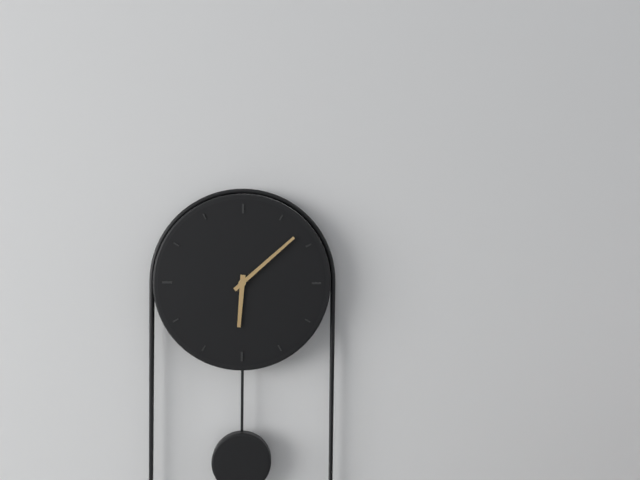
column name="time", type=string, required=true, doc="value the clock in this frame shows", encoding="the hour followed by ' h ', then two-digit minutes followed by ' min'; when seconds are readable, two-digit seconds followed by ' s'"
6 h 08 min
